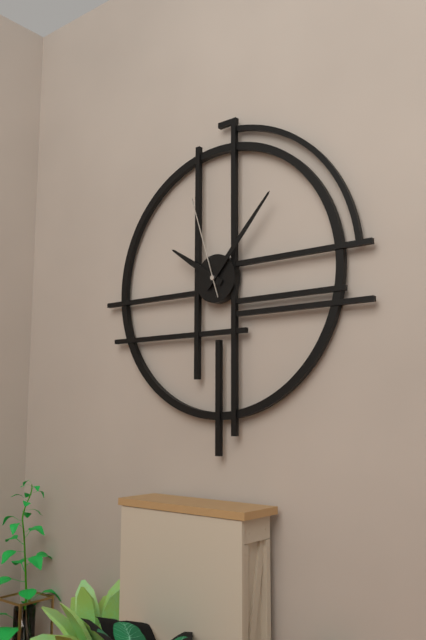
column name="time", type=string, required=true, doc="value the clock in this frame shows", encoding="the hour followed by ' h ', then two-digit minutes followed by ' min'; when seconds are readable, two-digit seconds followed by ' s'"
10 h 07 min 57 s
